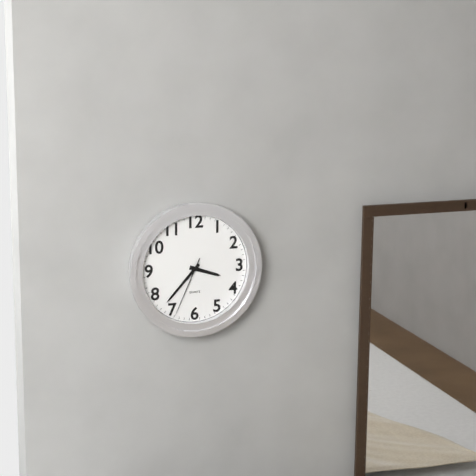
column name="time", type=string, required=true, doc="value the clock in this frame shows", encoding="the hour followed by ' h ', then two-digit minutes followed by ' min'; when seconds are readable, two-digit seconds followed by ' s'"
3 h 37 min 34 s
